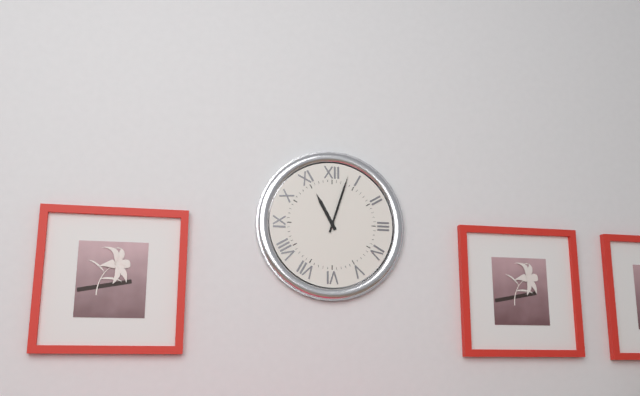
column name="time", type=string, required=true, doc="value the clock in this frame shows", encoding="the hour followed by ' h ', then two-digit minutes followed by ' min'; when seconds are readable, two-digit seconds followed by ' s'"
11 h 03 min
